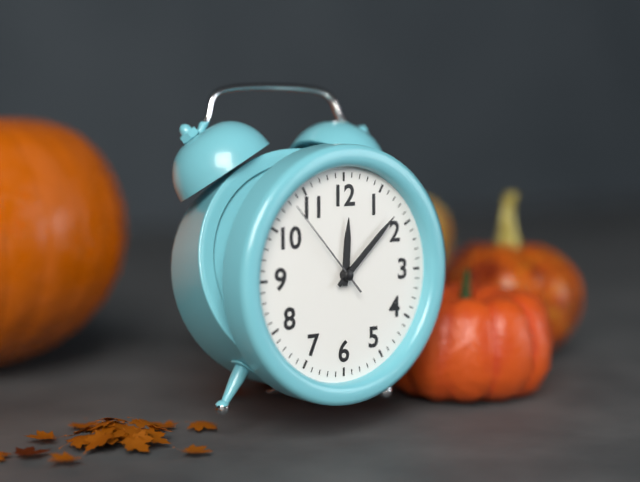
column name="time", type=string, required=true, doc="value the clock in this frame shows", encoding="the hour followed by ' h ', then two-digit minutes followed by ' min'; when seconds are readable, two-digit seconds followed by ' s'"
12 h 08 min 53 s
